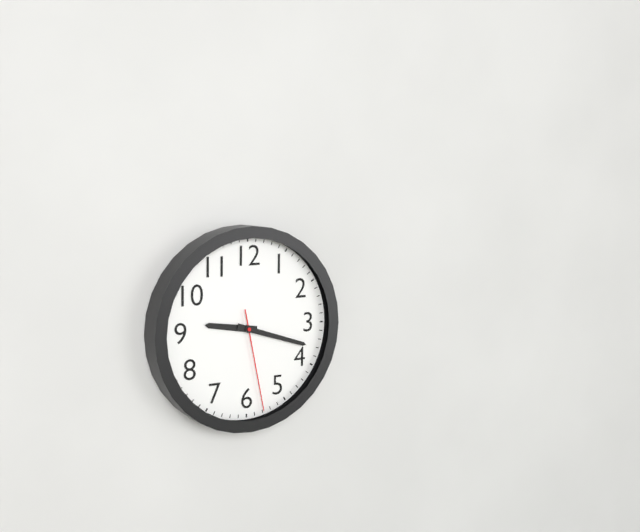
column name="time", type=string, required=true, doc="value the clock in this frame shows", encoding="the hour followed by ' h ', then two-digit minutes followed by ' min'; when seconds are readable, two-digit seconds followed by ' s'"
9 h 18 min 28 s
